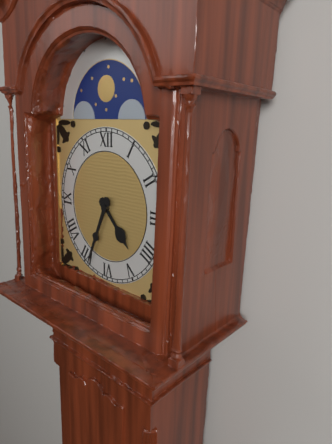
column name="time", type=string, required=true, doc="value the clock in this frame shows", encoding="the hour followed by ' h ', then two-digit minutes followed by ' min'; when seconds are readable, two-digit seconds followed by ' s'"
4 h 34 min
